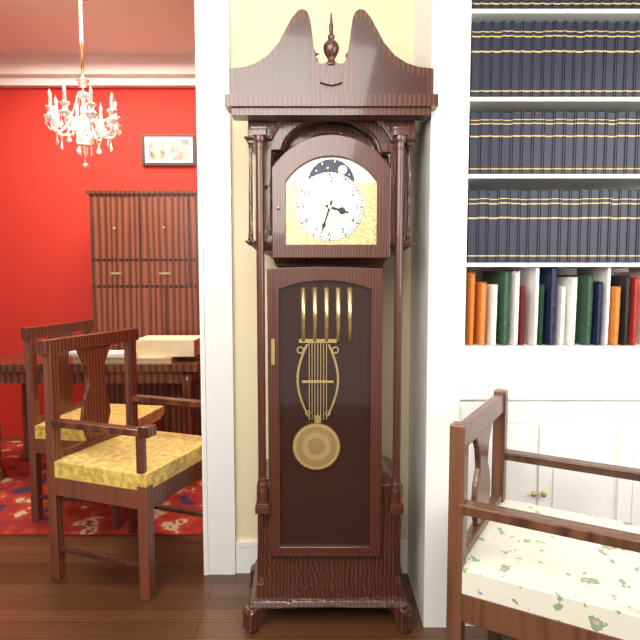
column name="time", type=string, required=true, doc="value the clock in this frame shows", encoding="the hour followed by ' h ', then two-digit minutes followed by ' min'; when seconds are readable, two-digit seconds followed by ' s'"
3 h 33 min
